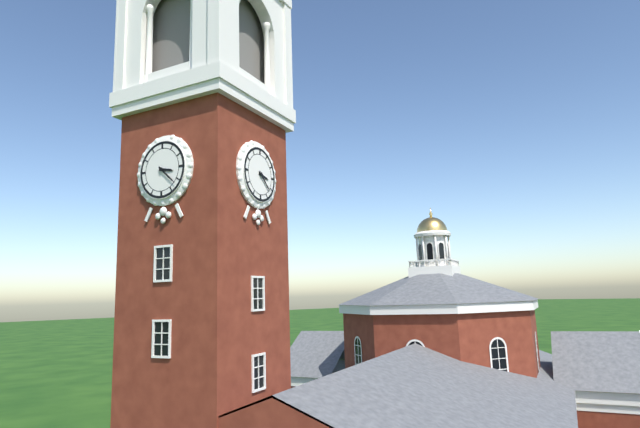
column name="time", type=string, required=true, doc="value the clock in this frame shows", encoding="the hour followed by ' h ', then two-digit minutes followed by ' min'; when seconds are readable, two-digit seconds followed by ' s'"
3 h 22 min
